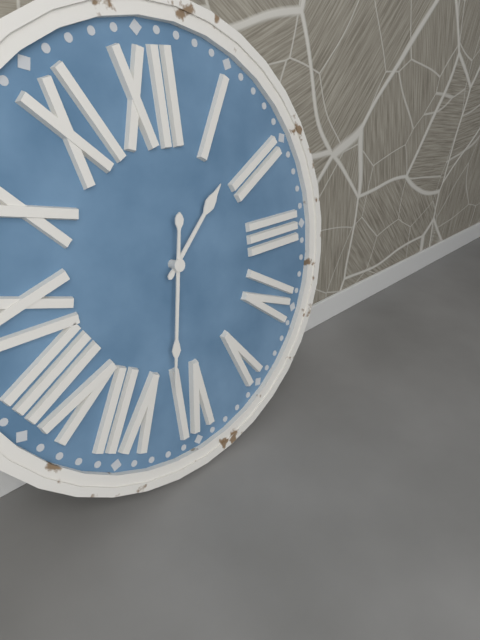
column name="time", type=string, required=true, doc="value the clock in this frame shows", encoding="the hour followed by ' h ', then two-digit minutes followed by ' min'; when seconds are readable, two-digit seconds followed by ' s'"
1 h 32 min
